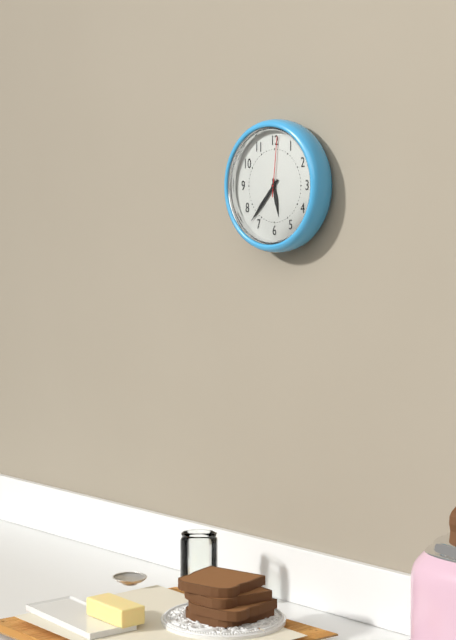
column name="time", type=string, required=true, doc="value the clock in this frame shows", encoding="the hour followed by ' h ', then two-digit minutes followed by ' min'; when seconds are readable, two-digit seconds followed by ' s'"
5 h 37 min 01 s
